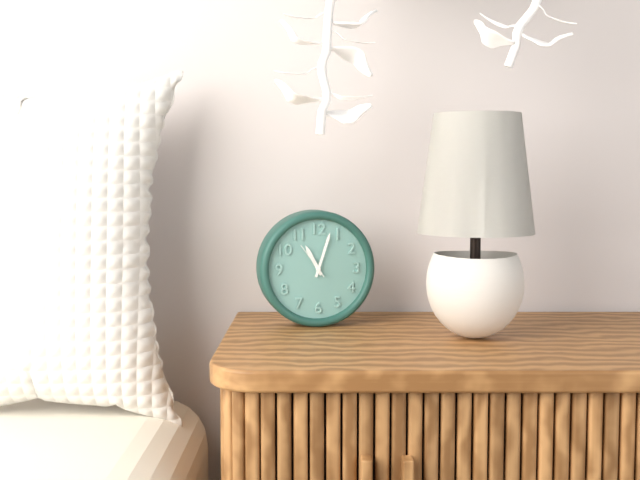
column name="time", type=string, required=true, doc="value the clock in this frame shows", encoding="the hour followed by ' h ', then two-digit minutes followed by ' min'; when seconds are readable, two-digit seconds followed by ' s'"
11 h 03 min
